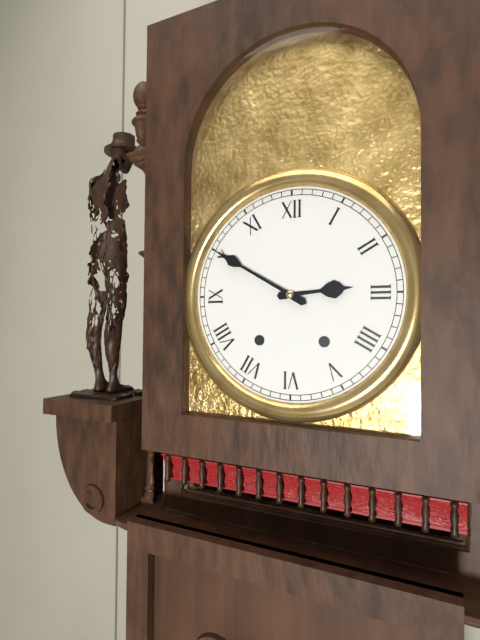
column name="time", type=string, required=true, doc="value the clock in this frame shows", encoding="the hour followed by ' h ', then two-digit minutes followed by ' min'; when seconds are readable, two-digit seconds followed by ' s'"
2 h 50 min
